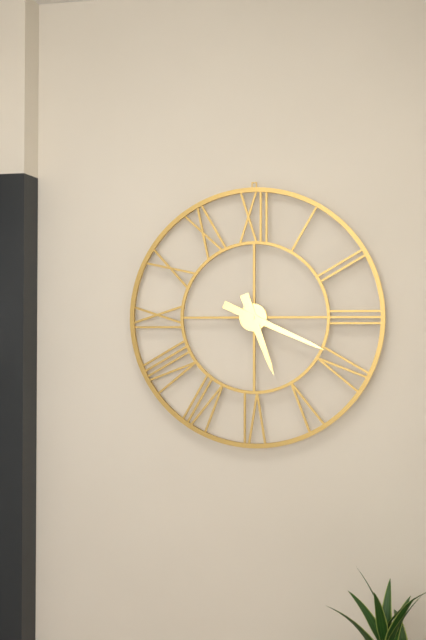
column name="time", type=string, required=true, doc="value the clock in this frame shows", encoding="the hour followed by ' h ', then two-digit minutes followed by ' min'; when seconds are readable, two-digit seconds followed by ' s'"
5 h 19 min
